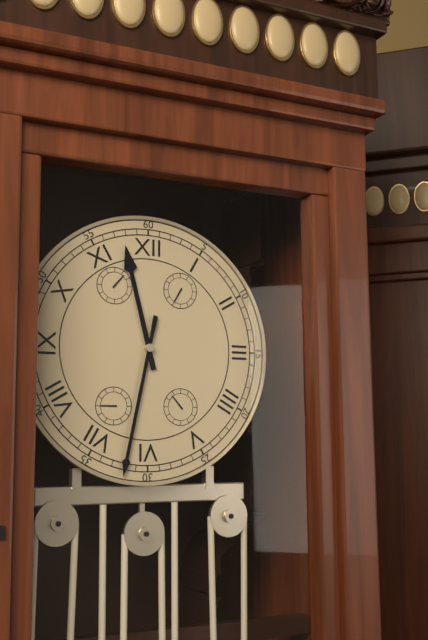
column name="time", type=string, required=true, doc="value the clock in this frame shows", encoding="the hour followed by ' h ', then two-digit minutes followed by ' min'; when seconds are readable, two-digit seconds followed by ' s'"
11 h 32 min
